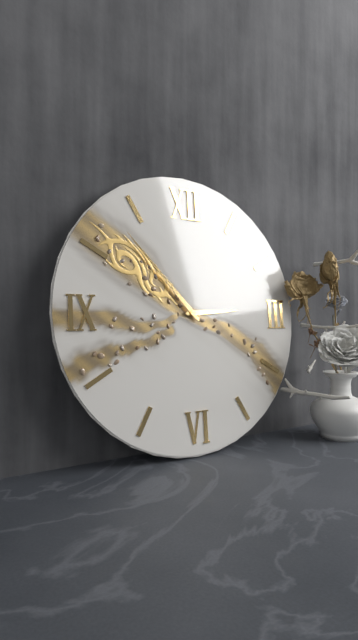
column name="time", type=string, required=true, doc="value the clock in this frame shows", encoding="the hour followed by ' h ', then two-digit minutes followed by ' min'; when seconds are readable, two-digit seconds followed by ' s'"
2 h 53 min
